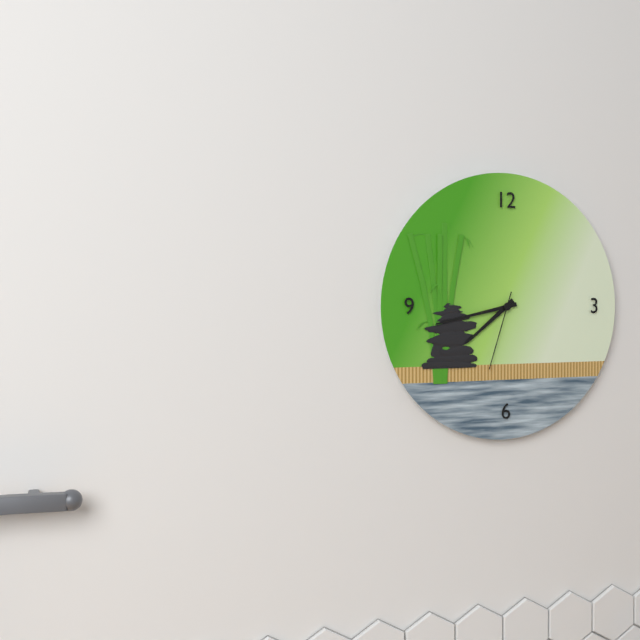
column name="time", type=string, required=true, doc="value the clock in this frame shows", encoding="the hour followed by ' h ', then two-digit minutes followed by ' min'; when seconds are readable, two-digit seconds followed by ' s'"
7 h 43 min 33 s
